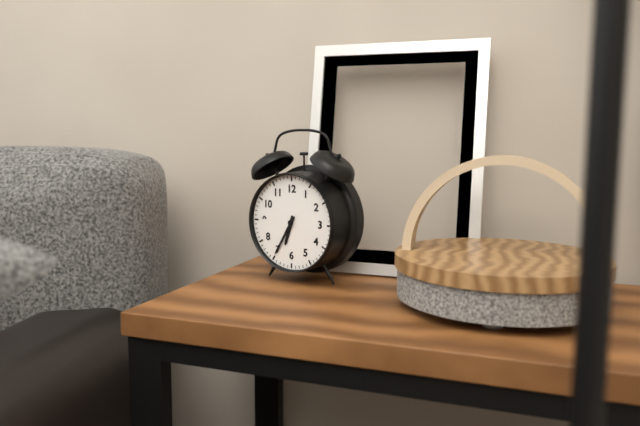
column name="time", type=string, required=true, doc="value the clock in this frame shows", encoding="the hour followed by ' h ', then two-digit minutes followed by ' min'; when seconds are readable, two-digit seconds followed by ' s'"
6 h 35 min
